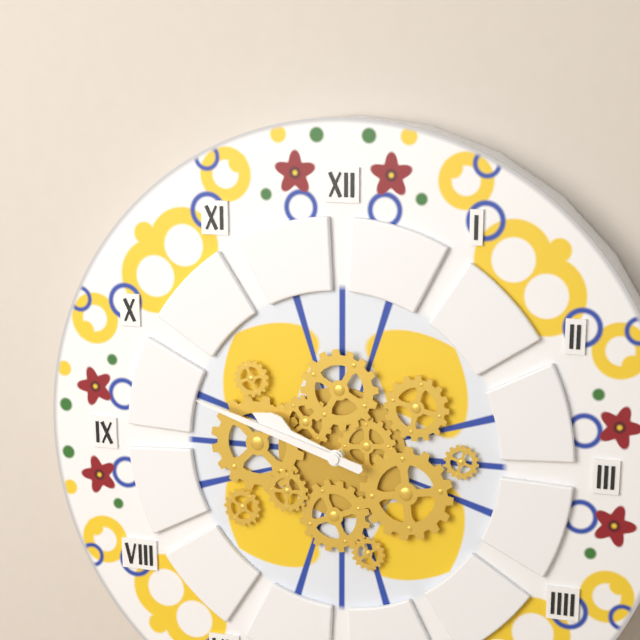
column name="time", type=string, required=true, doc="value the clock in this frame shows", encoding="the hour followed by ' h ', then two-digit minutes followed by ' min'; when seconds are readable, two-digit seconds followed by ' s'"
9 h 48 min
